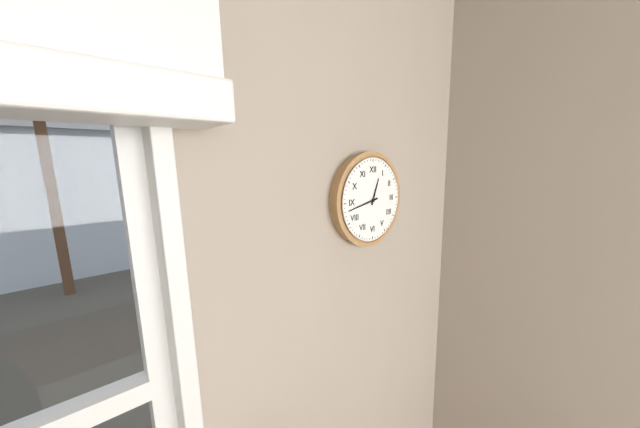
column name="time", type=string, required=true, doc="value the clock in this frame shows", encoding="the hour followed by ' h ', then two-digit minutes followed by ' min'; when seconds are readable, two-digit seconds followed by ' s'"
12 h 43 min
